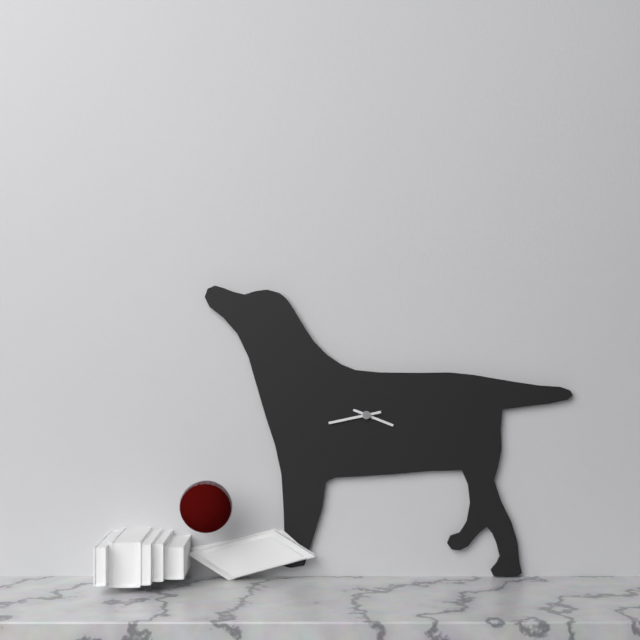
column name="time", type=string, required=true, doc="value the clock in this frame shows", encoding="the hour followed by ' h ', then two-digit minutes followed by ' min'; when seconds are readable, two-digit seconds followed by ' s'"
3 h 43 min
